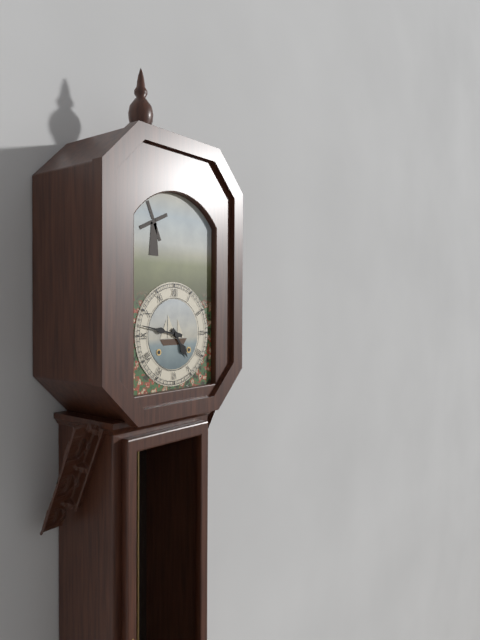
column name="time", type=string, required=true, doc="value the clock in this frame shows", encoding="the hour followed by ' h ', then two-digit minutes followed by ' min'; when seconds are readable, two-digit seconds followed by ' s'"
4 h 47 min
